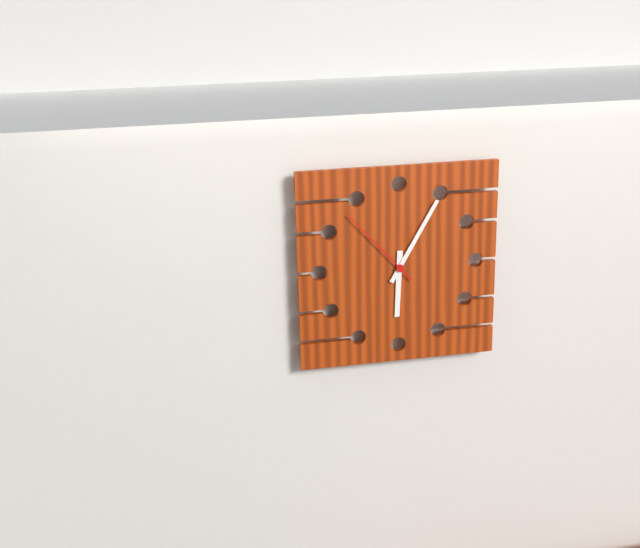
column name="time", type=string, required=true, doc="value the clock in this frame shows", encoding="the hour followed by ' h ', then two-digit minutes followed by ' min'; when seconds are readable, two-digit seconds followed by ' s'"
6 h 05 min 53 s
